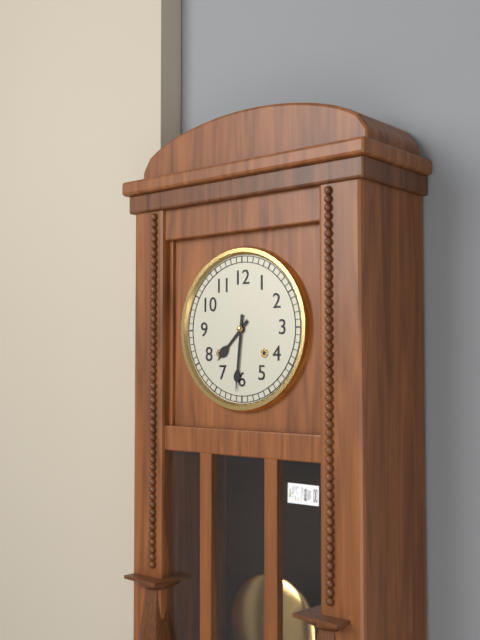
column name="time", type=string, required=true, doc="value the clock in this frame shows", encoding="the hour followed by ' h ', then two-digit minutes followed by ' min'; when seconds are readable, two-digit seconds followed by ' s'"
7 h 31 min
